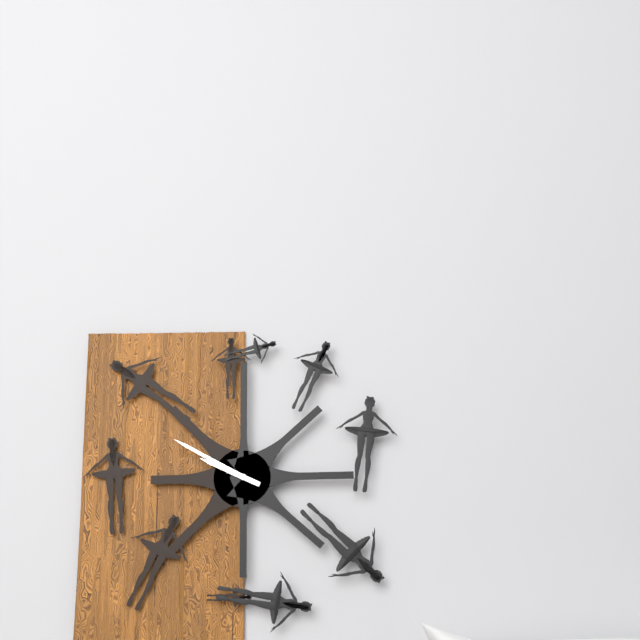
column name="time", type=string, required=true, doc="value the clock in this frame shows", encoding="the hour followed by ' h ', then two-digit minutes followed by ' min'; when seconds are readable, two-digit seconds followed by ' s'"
9 h 50 min
